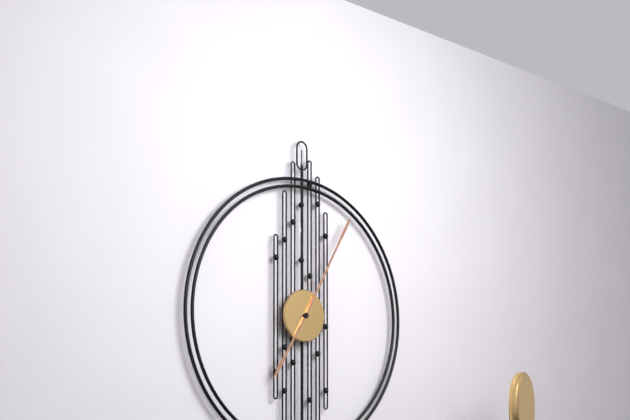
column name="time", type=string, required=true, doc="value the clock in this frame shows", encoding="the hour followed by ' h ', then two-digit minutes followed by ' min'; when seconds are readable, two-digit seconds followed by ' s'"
7 h 05 min
